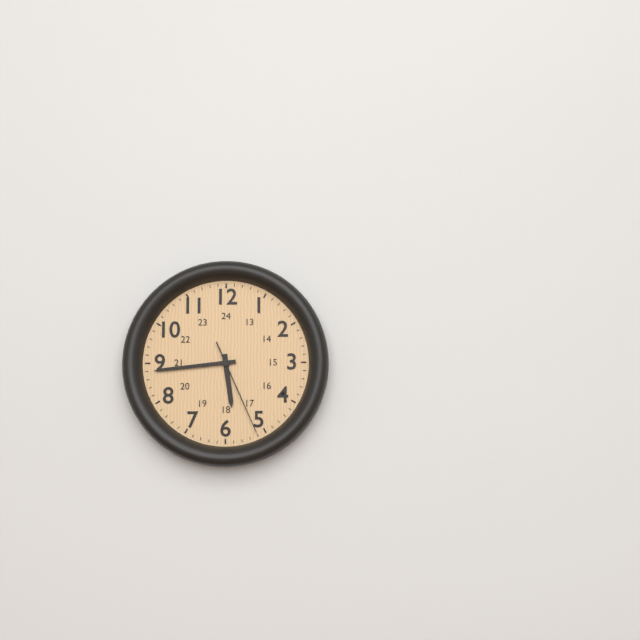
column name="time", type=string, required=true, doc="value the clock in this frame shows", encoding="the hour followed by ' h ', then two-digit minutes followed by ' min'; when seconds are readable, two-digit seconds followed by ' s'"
5 h 44 min 26 s
